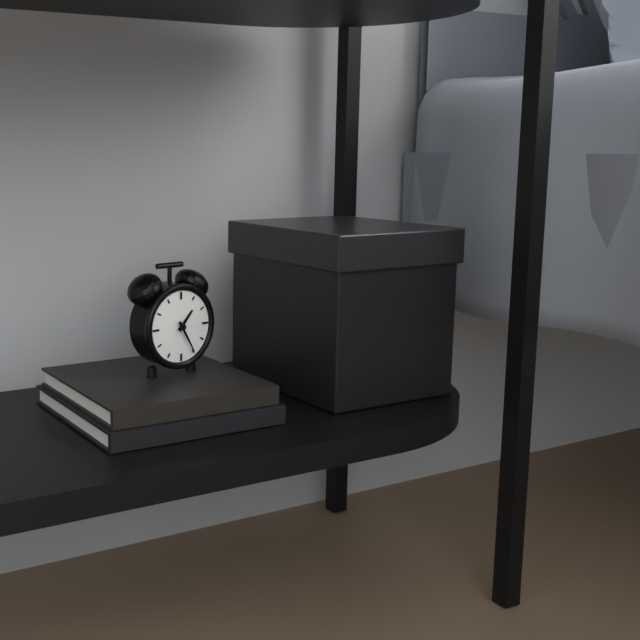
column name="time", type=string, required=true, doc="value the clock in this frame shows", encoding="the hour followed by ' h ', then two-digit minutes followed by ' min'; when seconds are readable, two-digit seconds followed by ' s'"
1 h 25 min
